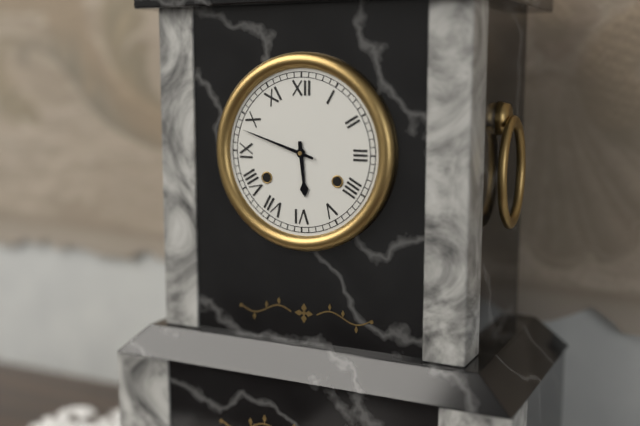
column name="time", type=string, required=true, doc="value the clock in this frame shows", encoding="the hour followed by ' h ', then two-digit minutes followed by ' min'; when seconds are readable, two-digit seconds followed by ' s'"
5 h 48 min
